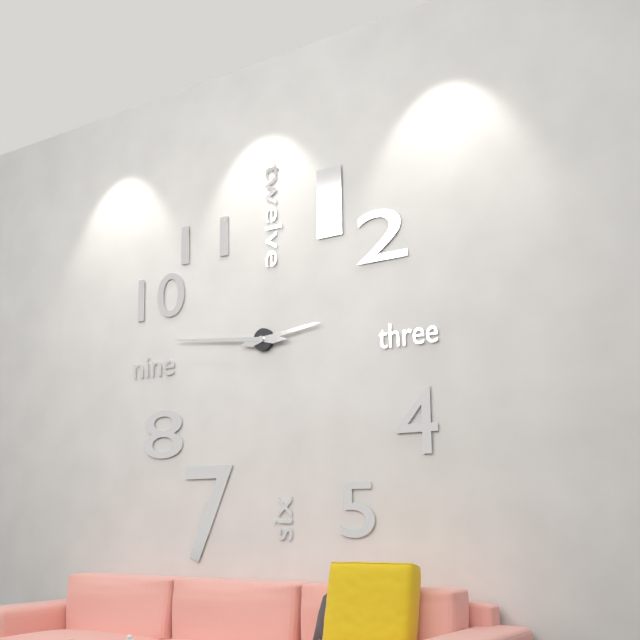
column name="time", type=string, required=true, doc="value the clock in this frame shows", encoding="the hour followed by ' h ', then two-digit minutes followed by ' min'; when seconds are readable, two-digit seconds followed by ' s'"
2 h 46 min
